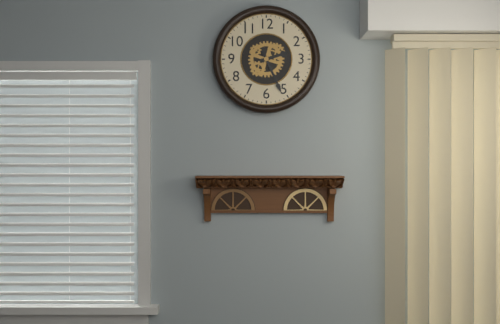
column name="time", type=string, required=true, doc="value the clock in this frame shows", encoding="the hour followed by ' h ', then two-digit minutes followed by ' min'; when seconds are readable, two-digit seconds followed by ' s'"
2 h 26 min
